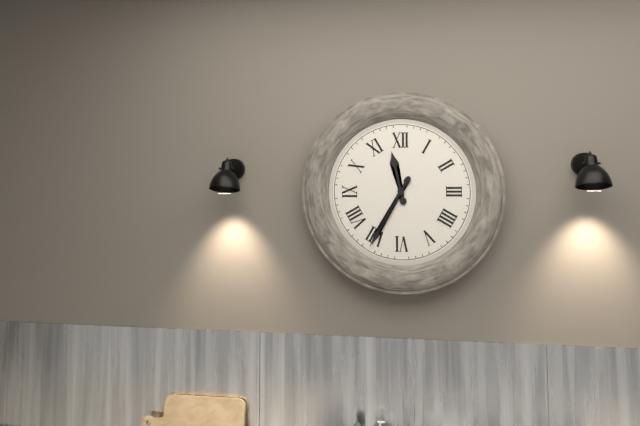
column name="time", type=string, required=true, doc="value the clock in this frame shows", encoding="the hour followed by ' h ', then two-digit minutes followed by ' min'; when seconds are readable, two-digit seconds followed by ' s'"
11 h 35 min
